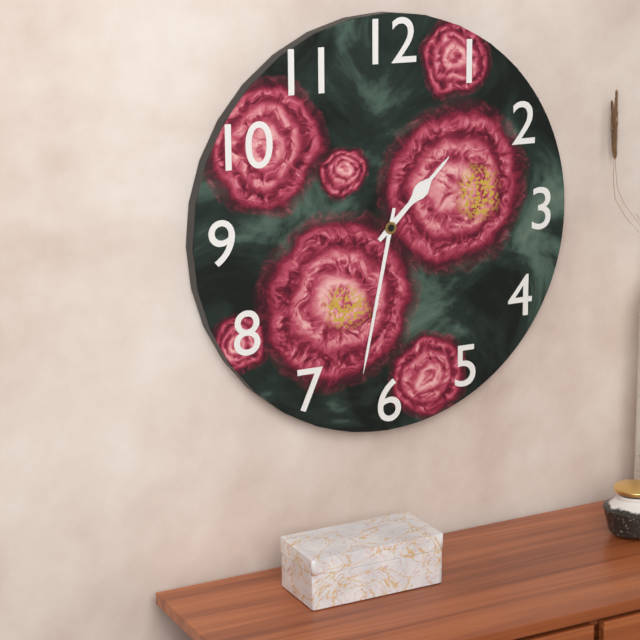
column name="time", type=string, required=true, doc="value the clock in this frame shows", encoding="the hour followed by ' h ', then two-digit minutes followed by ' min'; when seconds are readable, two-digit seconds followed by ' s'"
1 h 32 min
